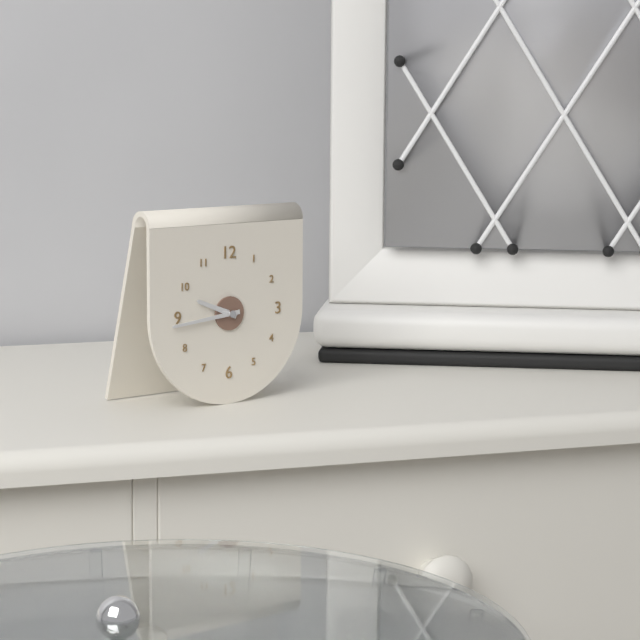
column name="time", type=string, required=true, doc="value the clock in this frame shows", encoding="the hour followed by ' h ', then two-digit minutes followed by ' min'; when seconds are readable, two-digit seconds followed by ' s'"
9 h 44 min
